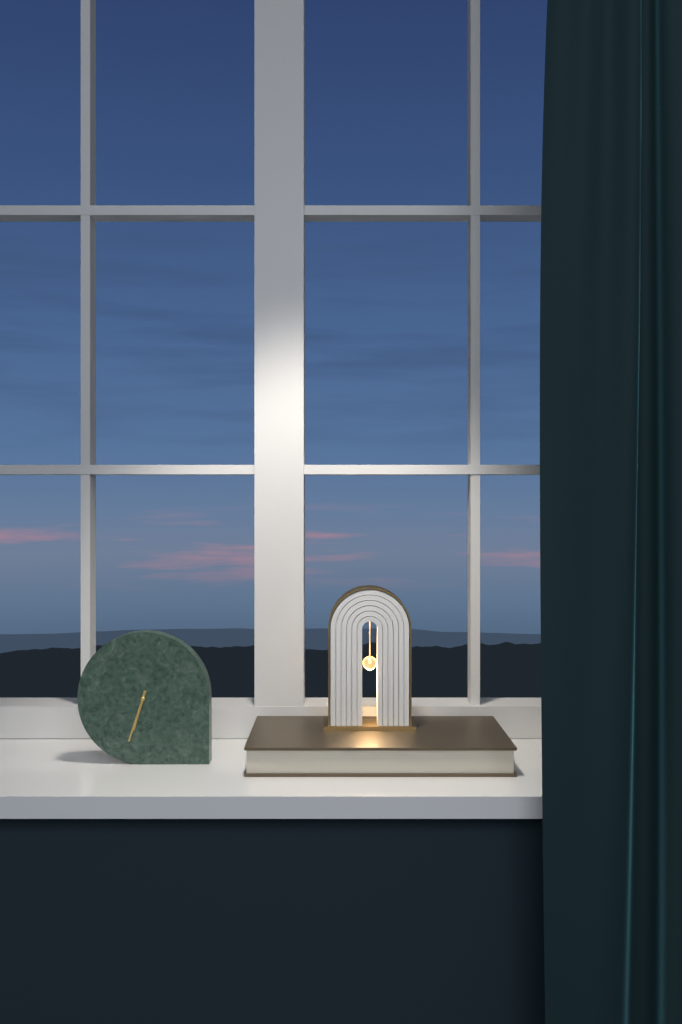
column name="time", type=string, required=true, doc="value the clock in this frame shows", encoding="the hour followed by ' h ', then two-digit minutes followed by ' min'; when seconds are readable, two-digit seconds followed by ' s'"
6 h 33 min
